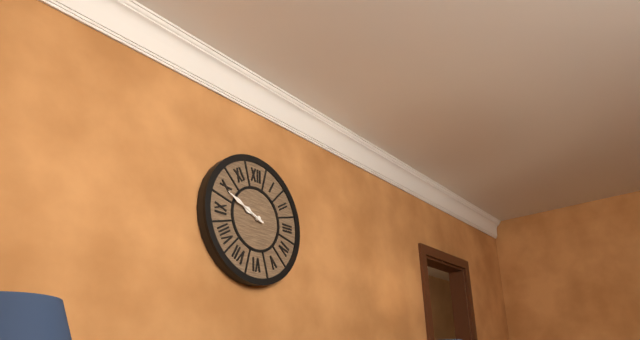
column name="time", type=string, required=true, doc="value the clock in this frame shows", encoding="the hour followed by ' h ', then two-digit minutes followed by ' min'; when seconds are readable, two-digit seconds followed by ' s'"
9 h 49 min
